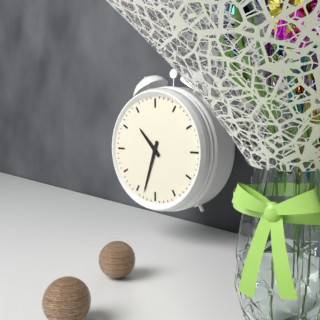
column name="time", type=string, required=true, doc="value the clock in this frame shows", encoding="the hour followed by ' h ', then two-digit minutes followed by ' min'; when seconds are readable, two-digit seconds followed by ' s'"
10 h 33 min
